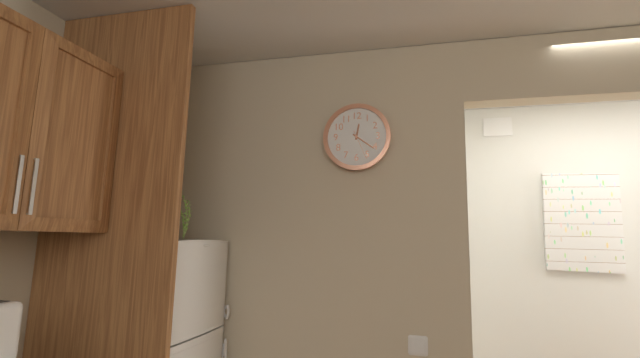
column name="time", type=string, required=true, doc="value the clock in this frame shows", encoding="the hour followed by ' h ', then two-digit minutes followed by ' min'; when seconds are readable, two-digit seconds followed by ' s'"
12 h 21 min
